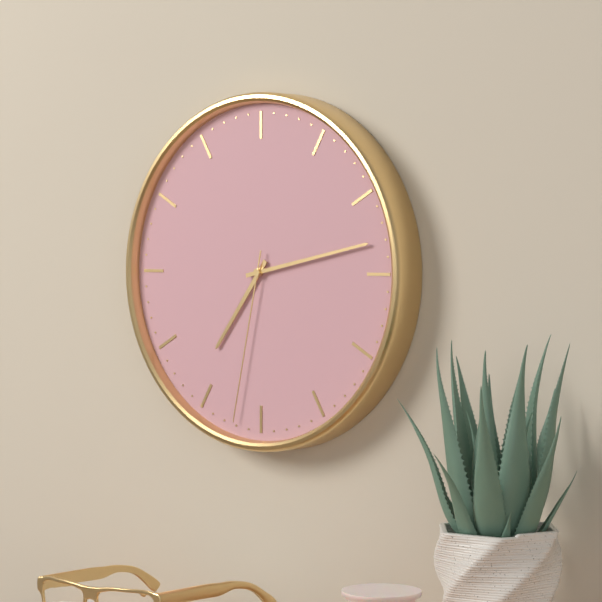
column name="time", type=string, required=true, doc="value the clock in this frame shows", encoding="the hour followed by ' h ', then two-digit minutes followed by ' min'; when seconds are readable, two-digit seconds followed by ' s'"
7 h 13 min 32 s
